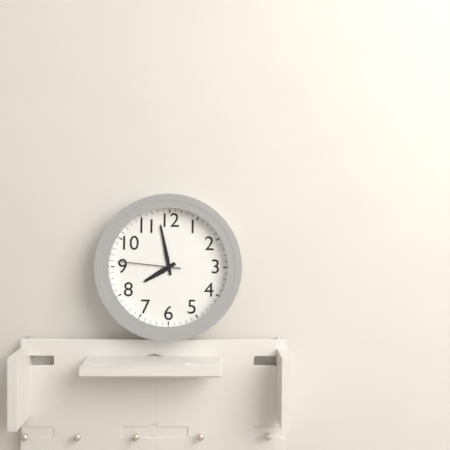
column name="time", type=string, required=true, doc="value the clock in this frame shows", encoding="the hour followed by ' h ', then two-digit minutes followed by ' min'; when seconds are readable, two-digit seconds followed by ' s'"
7 h 58 min 46 s
